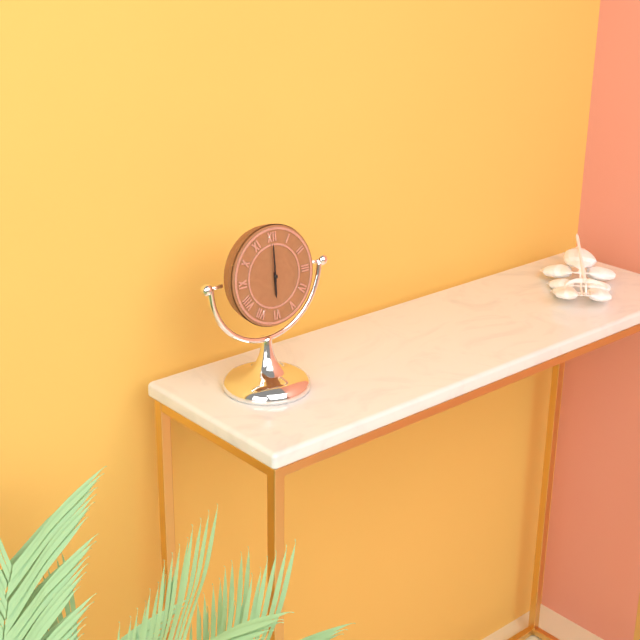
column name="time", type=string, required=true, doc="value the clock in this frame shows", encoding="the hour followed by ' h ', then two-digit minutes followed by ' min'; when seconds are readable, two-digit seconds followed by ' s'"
6 h 00 min
